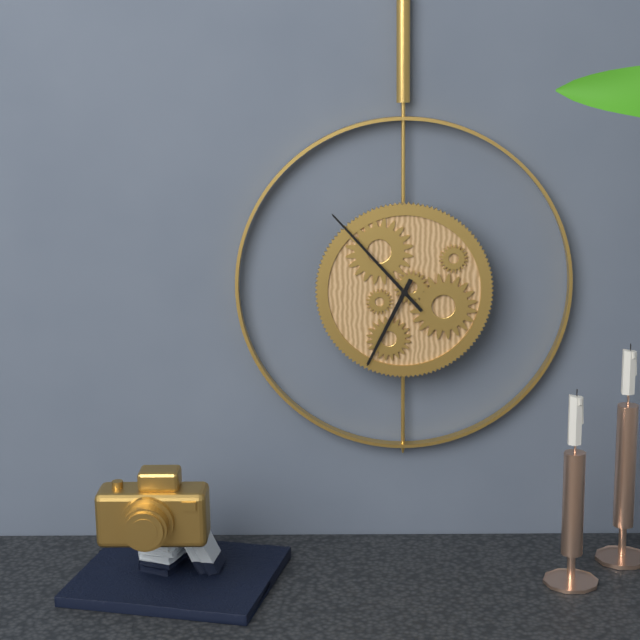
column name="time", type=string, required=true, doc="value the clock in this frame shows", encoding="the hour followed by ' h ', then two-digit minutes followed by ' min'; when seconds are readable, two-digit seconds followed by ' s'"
6 h 53 min
